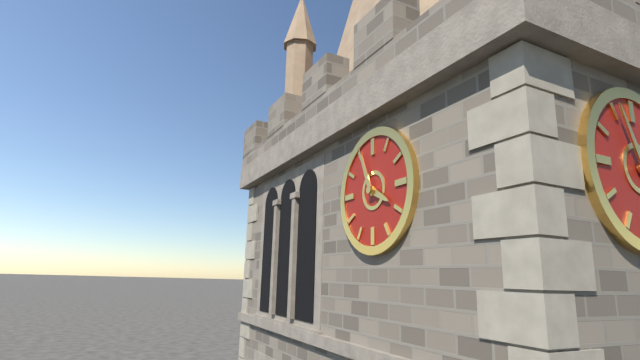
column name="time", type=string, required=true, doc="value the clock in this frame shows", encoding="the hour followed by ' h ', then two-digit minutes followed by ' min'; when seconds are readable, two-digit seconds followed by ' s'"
3 h 56 min
